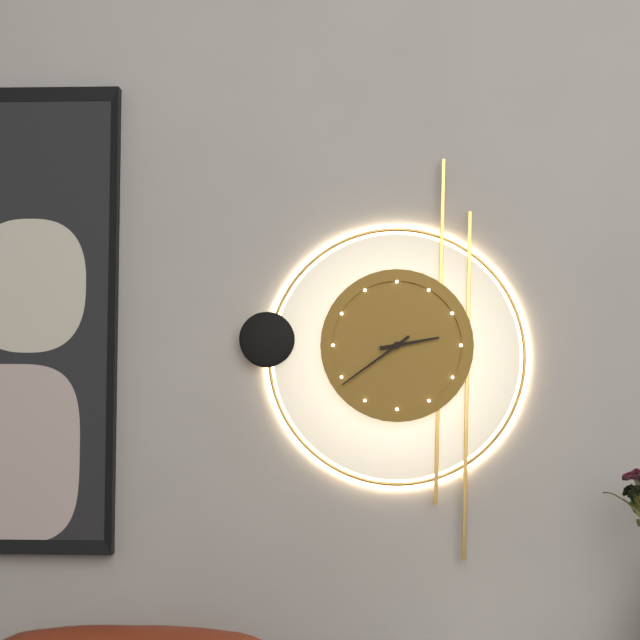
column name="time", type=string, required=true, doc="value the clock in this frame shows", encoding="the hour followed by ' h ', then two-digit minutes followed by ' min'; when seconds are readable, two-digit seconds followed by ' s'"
2 h 39 min
